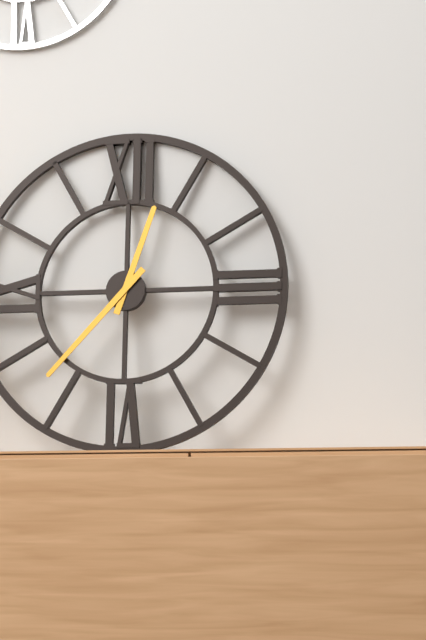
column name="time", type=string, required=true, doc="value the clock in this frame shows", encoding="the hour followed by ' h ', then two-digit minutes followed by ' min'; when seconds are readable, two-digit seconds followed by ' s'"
12 h 37 min
